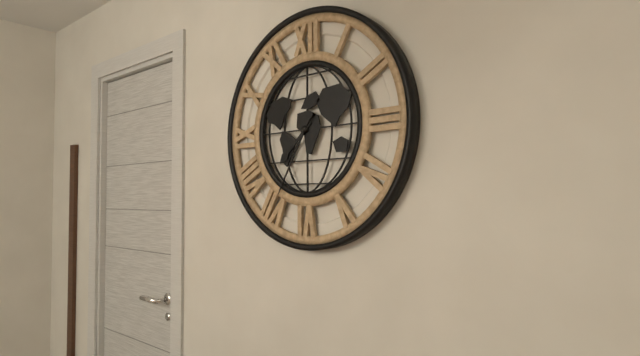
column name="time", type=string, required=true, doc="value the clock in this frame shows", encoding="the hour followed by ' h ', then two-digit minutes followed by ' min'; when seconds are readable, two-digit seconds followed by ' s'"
7 h 35 min
